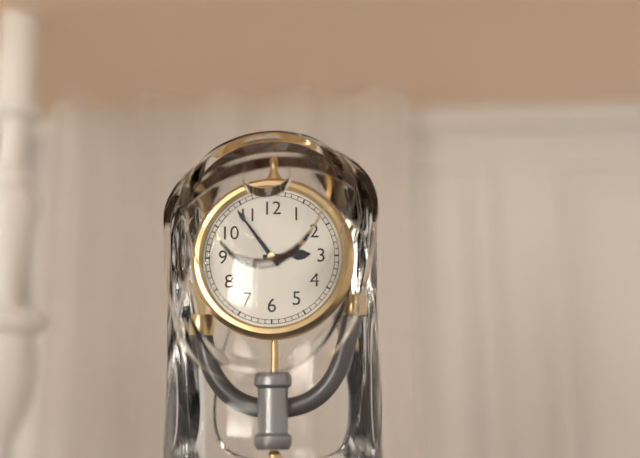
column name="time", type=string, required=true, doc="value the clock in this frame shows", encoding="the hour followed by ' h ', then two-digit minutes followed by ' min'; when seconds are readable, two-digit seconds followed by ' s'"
2 h 54 min
